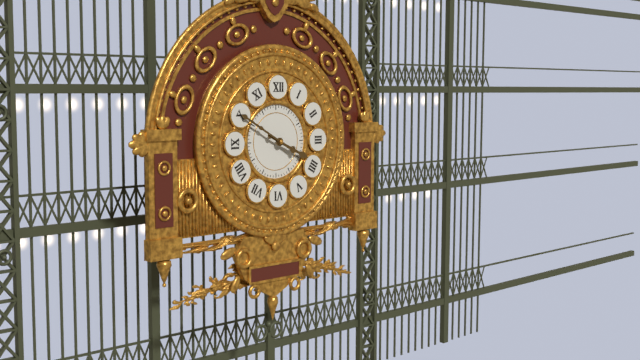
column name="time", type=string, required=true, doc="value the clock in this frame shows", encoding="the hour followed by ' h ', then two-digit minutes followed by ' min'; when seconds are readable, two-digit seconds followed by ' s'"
3 h 50 min
